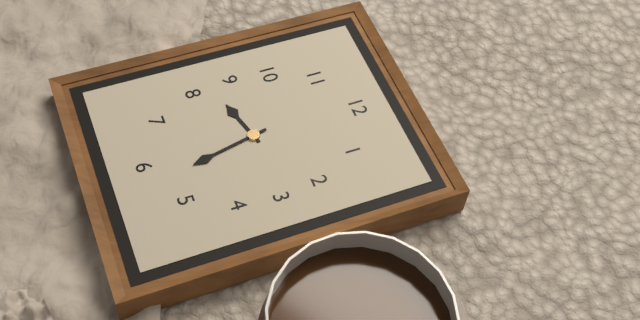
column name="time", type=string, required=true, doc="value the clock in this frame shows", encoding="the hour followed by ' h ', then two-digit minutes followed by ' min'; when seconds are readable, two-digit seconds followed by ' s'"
8 h 28 min
